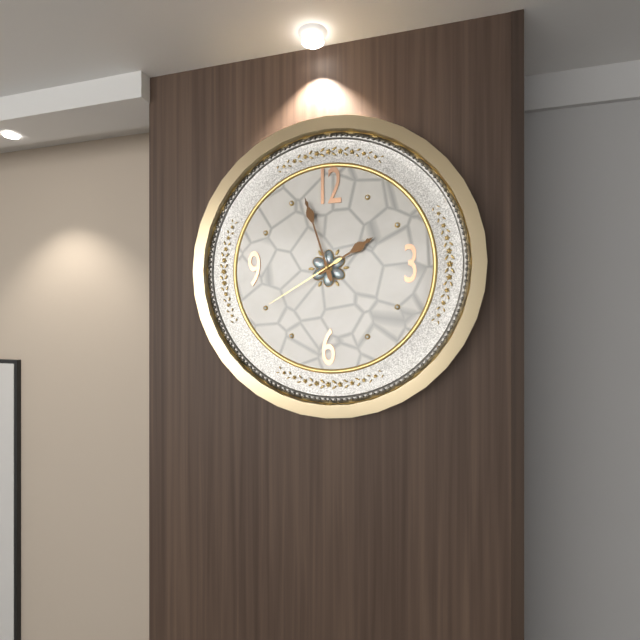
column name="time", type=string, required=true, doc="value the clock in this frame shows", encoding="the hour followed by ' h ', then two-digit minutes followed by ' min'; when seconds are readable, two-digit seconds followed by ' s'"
1 h 57 min 40 s
